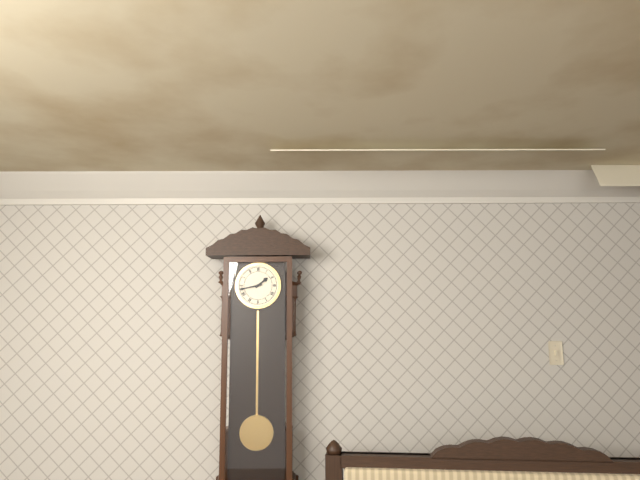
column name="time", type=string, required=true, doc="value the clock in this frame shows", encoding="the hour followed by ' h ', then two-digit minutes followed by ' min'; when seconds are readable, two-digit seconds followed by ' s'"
1 h 43 min
